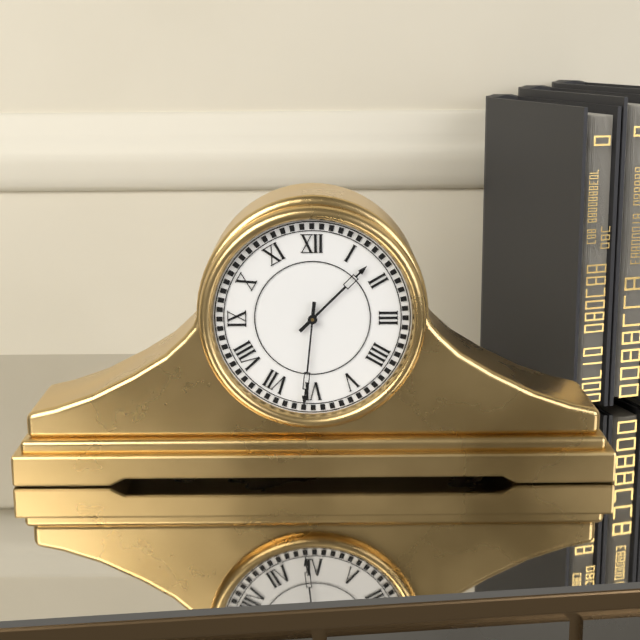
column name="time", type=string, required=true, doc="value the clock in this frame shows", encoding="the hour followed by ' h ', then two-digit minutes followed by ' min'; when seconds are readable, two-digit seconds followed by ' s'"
1 h 31 min
